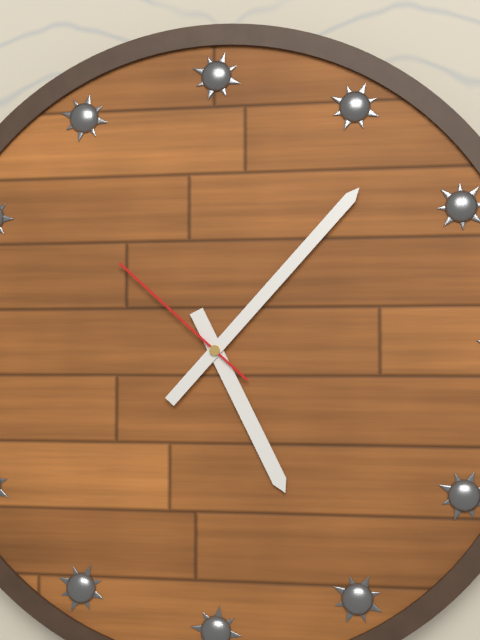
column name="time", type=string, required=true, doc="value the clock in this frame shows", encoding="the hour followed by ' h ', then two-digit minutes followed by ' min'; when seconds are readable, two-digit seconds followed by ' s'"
5 h 07 min 52 s
